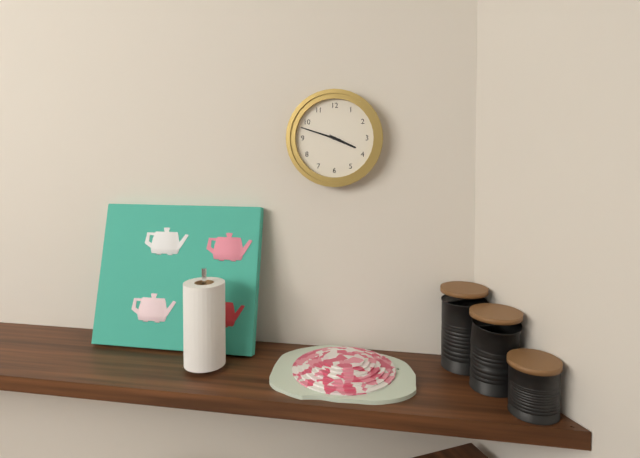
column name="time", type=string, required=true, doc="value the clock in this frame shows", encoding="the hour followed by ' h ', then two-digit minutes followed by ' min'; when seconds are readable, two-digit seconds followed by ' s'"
3 h 48 min
